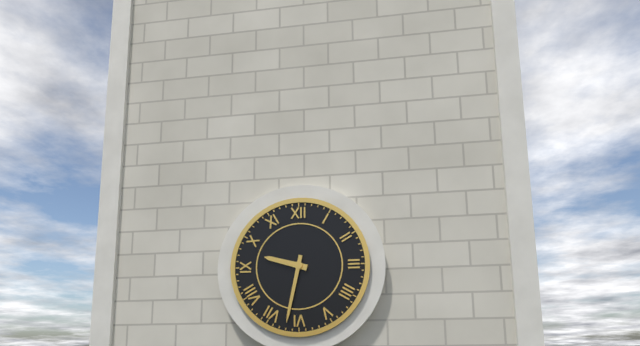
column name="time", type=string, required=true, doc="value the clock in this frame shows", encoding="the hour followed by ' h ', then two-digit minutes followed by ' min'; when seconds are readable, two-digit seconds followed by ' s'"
9 h 32 min
